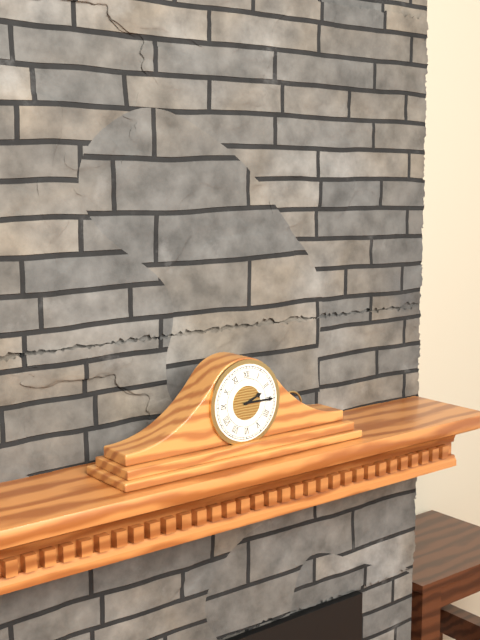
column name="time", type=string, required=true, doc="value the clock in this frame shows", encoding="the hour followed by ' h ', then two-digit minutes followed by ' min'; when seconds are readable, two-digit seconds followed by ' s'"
2 h 15 min
